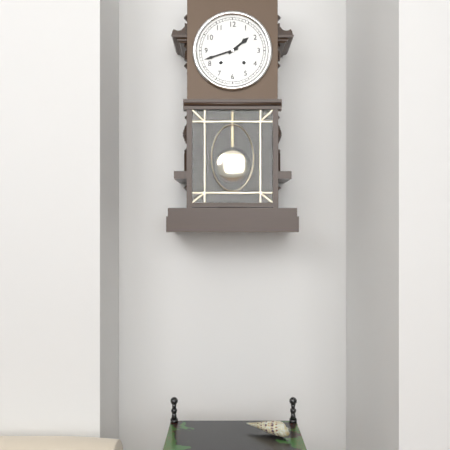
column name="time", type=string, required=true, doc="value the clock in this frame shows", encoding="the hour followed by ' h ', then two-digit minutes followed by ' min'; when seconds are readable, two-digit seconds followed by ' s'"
1 h 42 min
